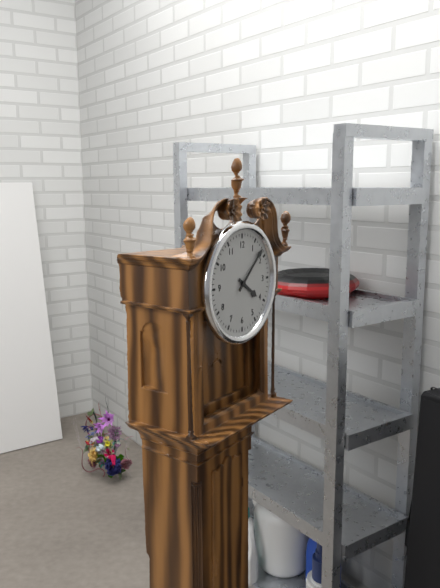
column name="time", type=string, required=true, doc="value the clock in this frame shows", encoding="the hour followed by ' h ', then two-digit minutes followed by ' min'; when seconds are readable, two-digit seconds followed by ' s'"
4 h 08 min
